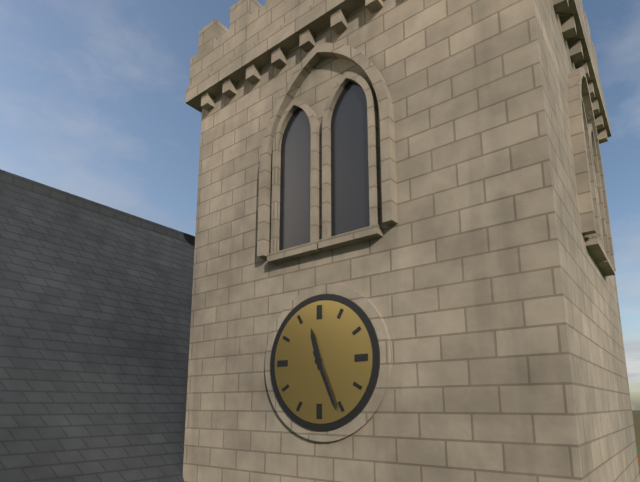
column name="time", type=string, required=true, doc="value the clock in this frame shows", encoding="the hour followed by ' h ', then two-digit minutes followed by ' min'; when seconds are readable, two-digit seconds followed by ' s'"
11 h 26 min
